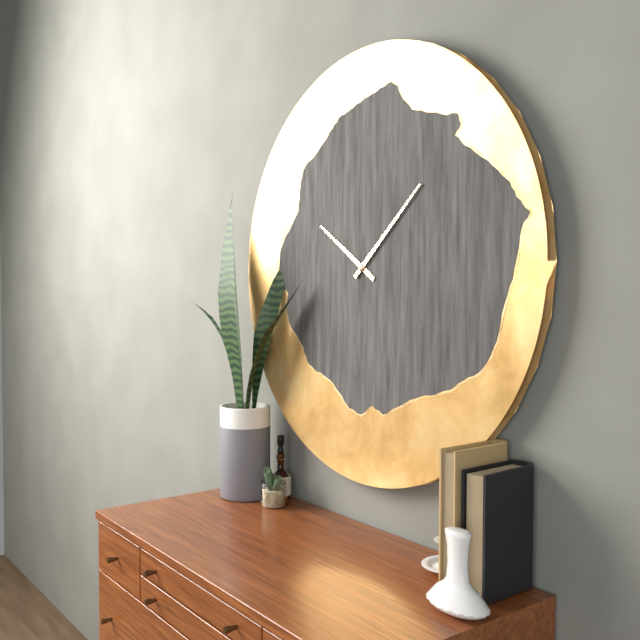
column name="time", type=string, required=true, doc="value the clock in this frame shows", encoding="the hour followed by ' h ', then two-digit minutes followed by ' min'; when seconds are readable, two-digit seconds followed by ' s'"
10 h 08 min
